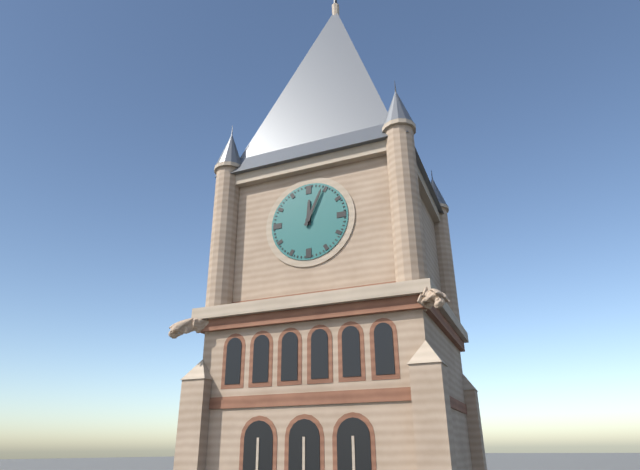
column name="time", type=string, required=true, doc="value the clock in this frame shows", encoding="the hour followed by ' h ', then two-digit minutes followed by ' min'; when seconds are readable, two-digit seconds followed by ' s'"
12 h 04 min
